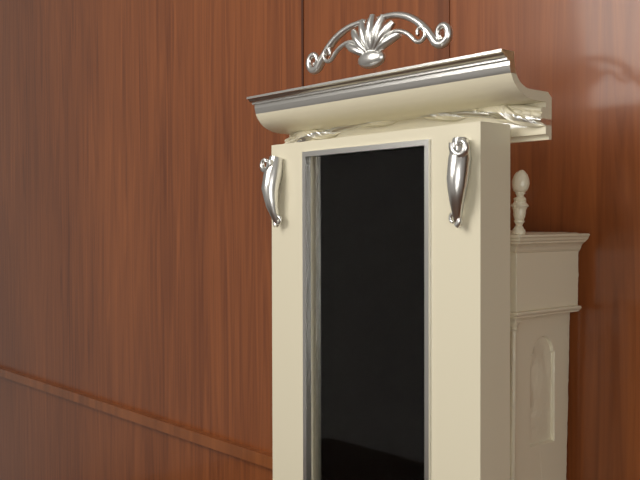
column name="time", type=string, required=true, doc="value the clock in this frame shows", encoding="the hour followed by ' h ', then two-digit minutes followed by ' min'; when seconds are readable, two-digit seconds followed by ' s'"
10 h 58 min
